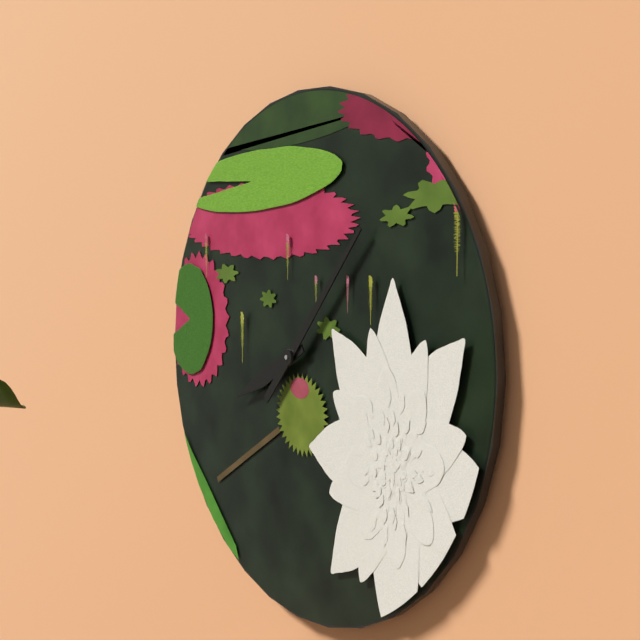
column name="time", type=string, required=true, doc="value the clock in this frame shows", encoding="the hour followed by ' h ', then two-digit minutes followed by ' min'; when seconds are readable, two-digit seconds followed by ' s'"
8 h 07 min
